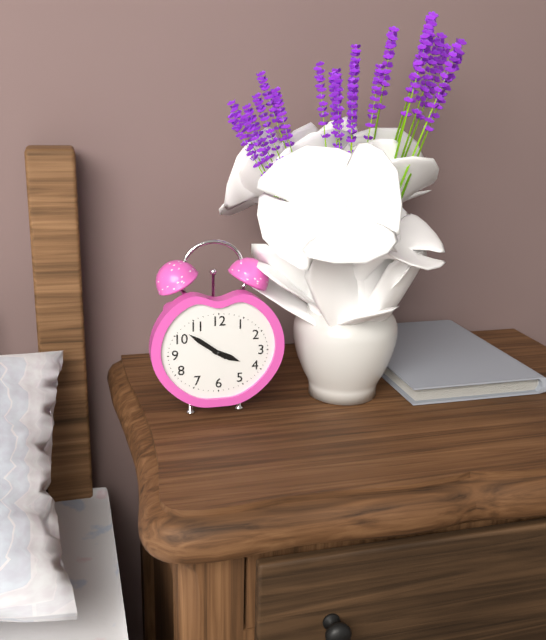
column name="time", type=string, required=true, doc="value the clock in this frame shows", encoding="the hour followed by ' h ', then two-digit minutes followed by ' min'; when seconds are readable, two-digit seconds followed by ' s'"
3 h 51 min
